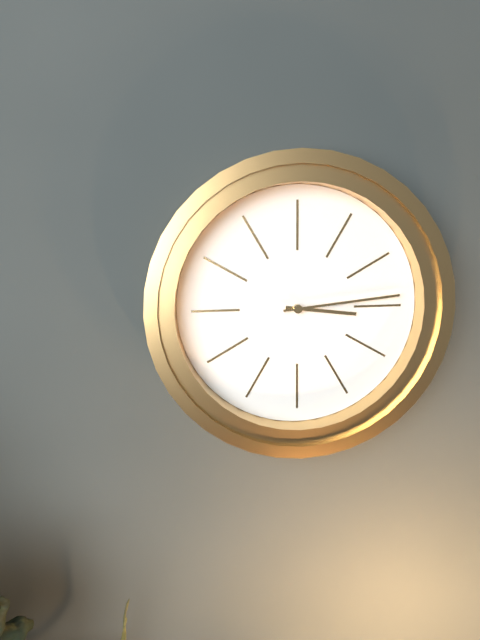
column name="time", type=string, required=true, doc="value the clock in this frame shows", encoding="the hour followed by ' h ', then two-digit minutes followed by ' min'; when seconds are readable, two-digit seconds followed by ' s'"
3 h 14 min
